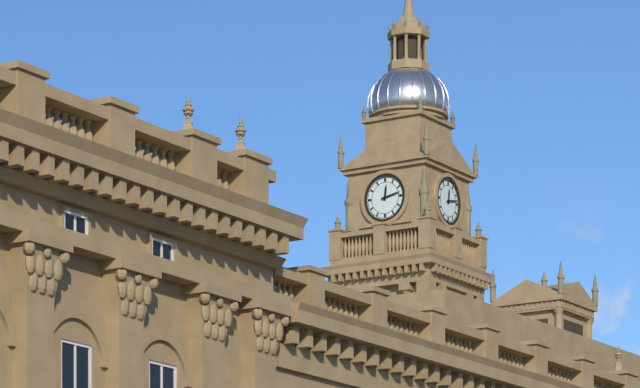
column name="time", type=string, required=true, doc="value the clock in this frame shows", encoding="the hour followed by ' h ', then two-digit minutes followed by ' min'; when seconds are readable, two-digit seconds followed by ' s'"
12 h 13 min
